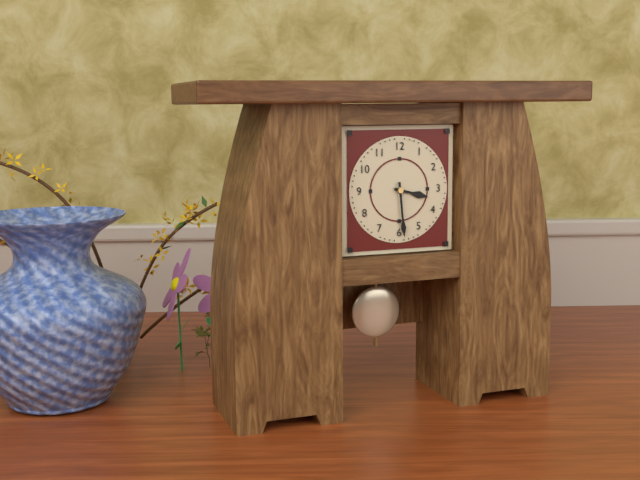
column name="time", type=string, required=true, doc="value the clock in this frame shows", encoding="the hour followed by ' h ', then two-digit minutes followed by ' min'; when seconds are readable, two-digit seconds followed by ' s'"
3 h 29 min
